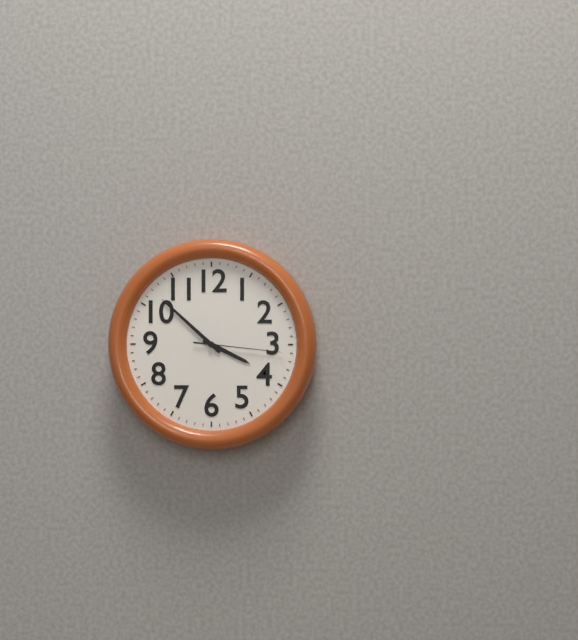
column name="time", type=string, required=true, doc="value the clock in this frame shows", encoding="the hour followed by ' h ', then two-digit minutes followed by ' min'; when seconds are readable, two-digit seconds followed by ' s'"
3 h 52 min 16 s
